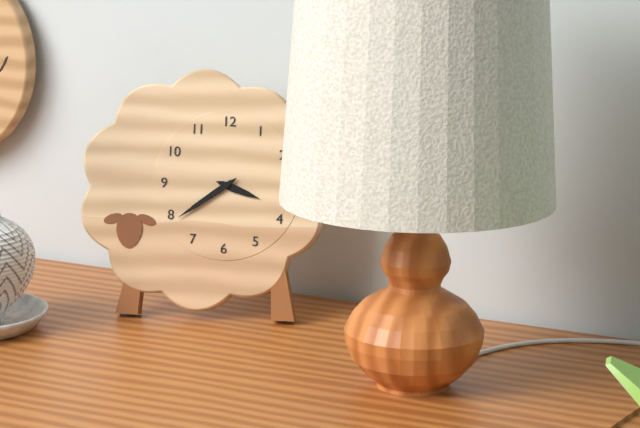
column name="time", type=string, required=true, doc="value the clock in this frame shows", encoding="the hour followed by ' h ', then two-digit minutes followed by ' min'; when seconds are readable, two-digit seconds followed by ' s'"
3 h 39 min
